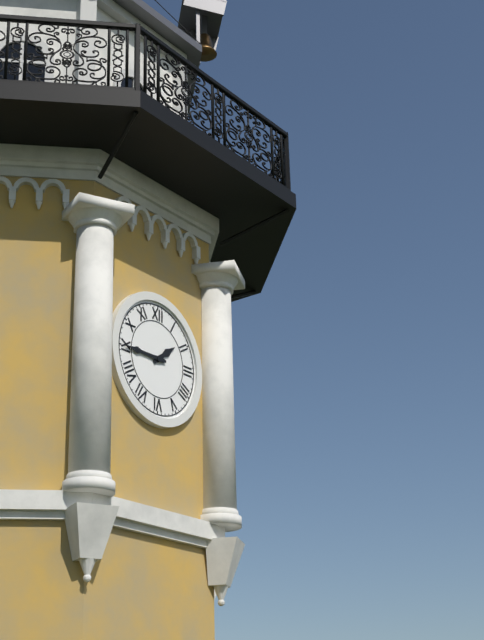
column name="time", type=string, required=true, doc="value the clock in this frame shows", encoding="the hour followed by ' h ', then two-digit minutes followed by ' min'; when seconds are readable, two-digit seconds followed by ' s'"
1 h 45 min
